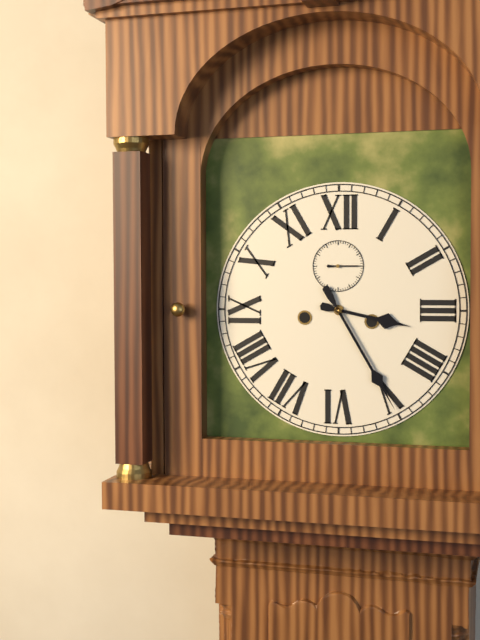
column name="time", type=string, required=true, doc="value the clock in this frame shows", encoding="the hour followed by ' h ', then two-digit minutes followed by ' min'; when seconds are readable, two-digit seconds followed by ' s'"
3 h 25 min
